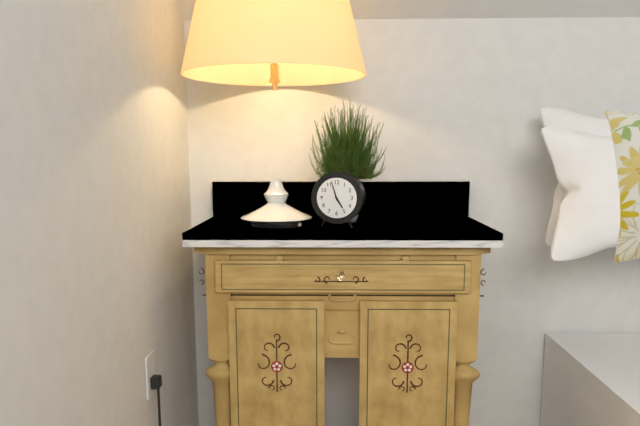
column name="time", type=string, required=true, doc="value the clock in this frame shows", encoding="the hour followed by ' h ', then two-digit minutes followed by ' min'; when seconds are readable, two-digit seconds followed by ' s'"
4 h 57 min
